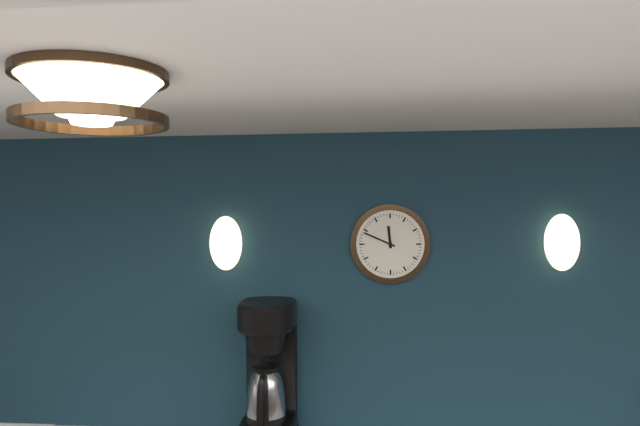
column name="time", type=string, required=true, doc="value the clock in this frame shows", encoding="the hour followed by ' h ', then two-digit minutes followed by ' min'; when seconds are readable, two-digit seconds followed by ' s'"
11 h 49 min
